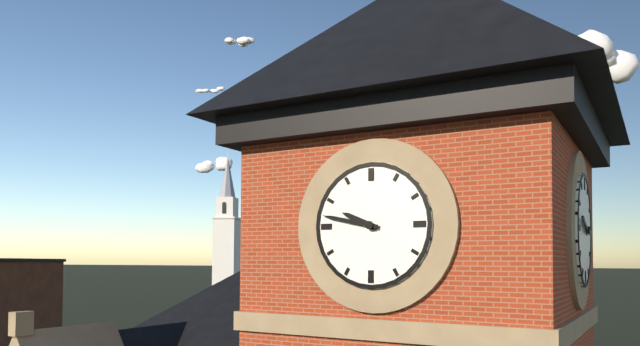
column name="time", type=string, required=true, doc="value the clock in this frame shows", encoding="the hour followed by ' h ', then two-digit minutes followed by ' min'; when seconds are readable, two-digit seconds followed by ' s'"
9 h 47 min
